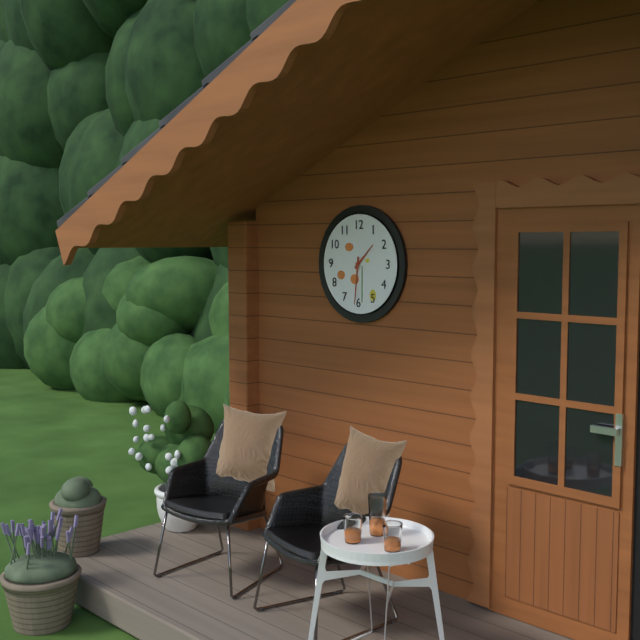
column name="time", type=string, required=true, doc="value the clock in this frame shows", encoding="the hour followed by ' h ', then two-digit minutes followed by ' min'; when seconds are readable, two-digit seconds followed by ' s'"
1 h 31 min
